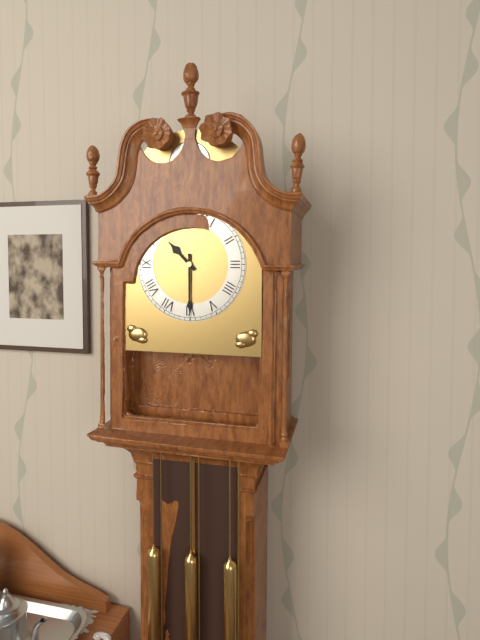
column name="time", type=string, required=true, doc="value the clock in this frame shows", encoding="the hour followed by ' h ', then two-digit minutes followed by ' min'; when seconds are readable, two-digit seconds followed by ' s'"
10 h 30 min
